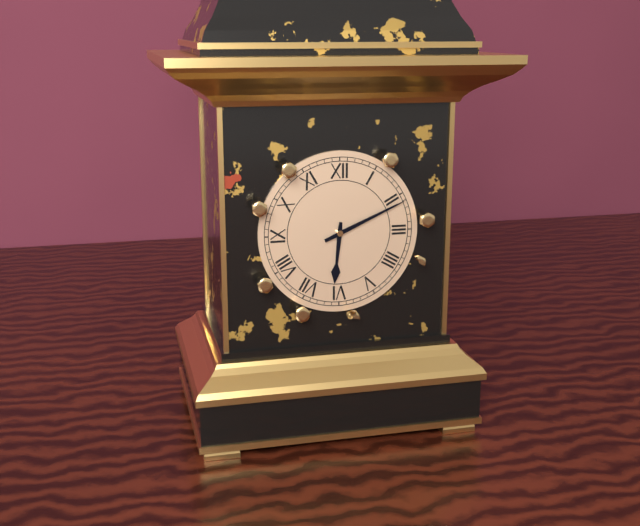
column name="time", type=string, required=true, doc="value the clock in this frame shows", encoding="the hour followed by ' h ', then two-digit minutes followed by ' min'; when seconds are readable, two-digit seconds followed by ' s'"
6 h 11 min
